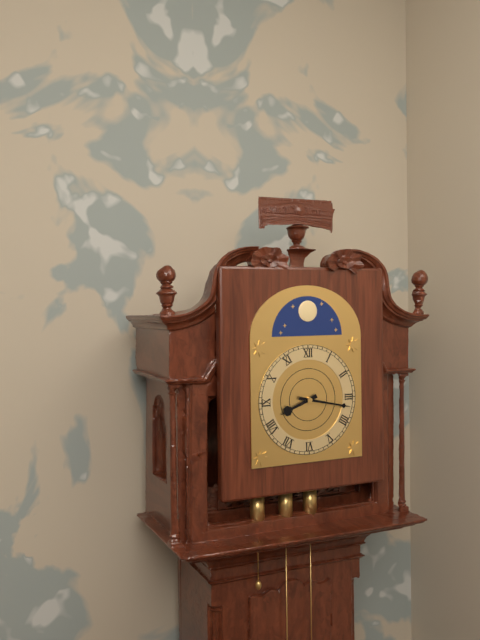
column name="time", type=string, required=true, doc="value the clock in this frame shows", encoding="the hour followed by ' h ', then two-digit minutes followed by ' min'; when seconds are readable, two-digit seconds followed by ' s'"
8 h 17 min
